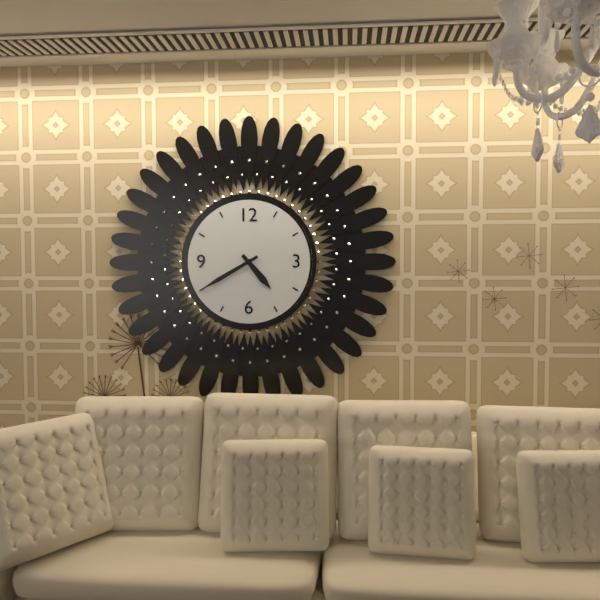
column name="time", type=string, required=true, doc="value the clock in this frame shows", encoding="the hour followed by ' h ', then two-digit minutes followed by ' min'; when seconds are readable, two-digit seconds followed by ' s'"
4 h 40 min
